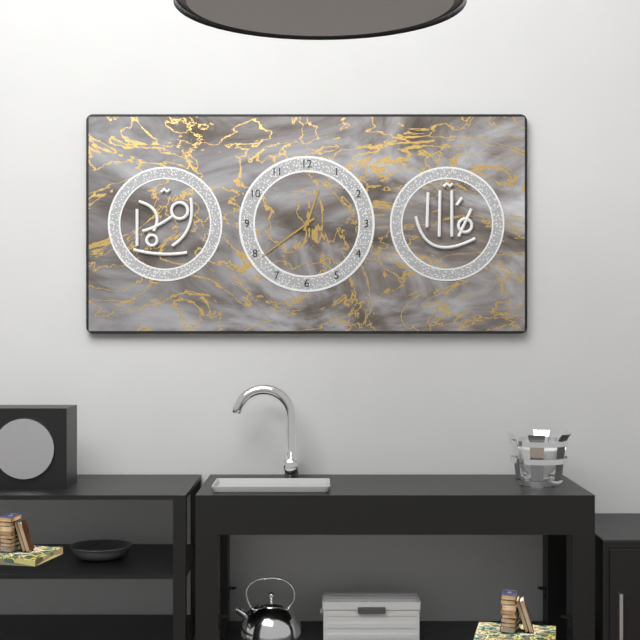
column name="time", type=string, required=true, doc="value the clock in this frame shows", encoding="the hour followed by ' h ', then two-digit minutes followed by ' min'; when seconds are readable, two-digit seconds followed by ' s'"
12 h 39 min
